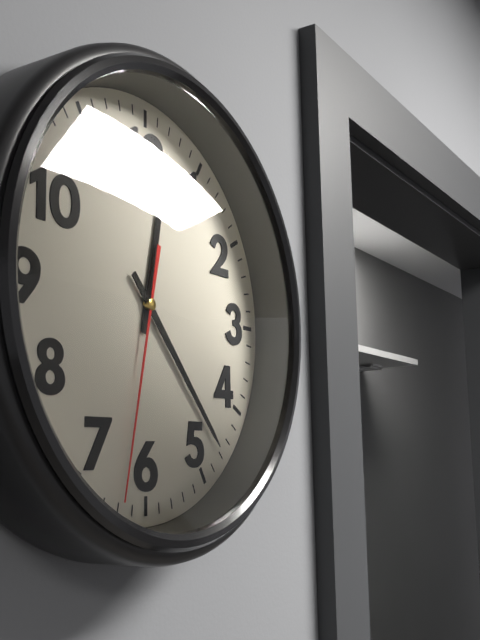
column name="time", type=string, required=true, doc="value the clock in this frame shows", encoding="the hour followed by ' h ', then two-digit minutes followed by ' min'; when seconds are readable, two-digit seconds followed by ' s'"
12 h 23 min 32 s
